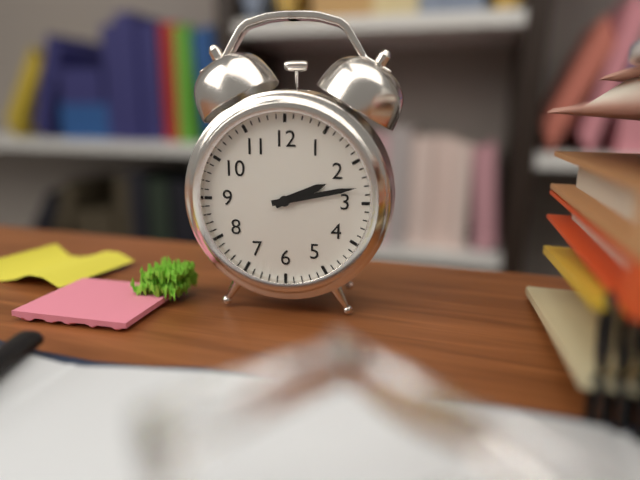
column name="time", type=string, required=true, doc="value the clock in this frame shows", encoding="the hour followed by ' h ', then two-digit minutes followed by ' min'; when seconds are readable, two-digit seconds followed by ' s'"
2 h 13 min
